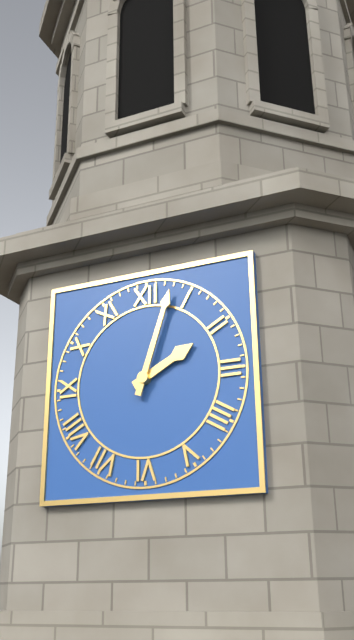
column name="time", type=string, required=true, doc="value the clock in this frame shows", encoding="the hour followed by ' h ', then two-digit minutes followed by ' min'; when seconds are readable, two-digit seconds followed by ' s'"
2 h 03 min
